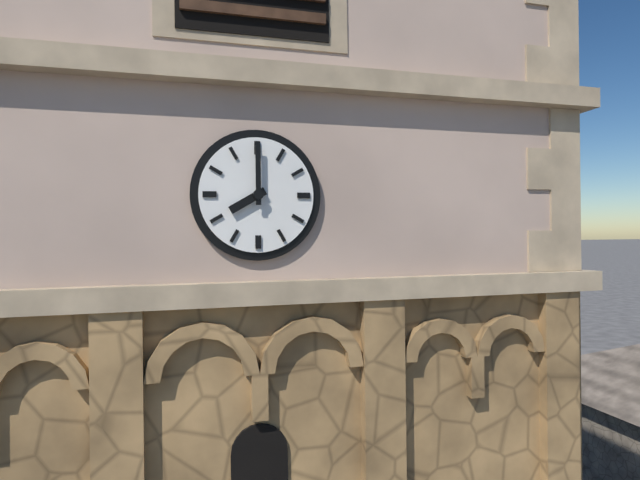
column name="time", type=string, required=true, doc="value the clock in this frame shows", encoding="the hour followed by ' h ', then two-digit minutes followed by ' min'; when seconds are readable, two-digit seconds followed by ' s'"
8 h 00 min
